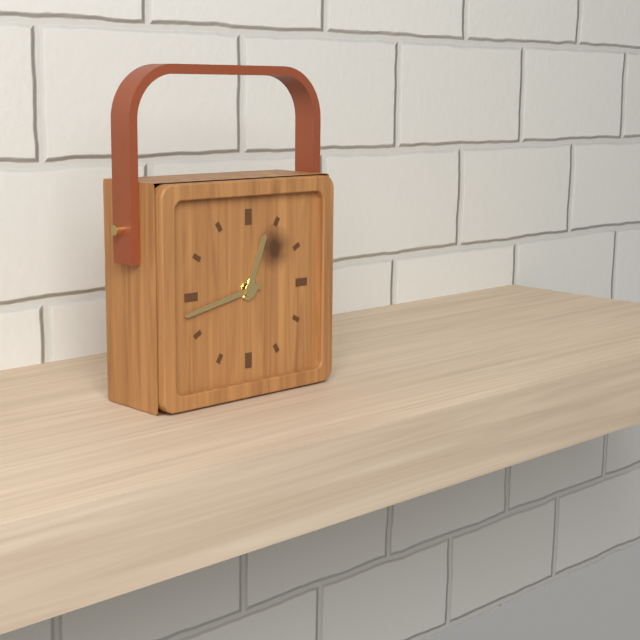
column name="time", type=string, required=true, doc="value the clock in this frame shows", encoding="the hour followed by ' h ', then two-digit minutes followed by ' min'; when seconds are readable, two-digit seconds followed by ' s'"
12 h 43 min
